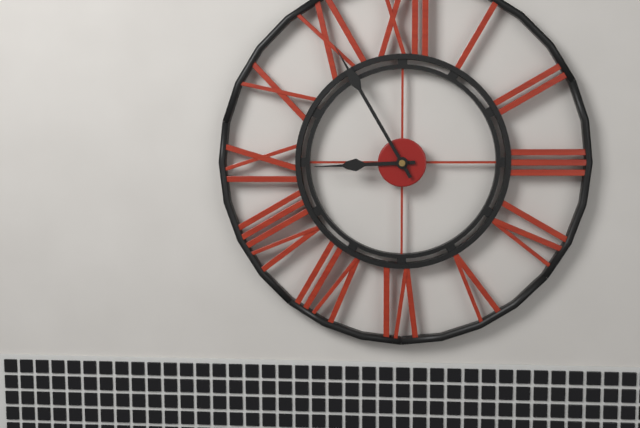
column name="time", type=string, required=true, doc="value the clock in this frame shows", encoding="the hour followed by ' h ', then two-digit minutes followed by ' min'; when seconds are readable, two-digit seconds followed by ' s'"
8 h 55 min
